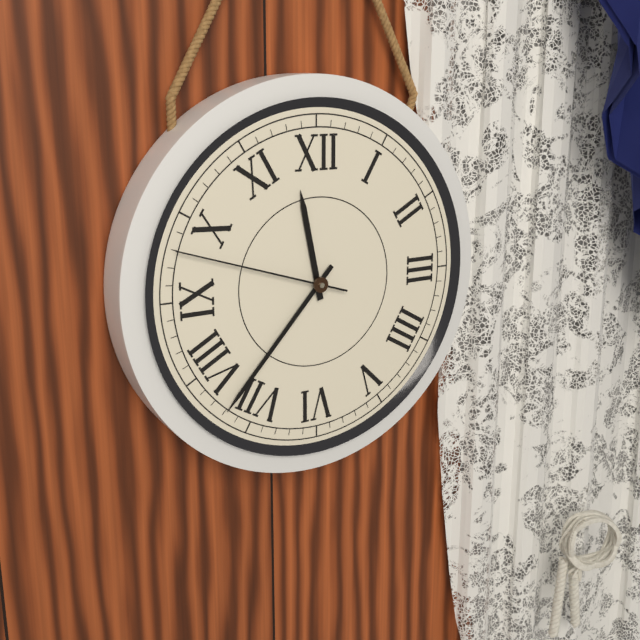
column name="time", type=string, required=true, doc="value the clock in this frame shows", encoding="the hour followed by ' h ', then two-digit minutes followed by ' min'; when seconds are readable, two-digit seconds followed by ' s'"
11 h 37 min 48 s
